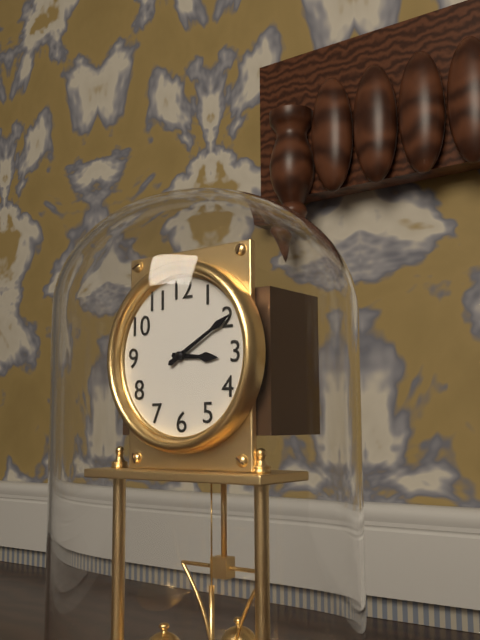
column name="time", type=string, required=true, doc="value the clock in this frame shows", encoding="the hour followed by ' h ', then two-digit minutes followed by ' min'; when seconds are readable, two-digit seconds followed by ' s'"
3 h 10 min
